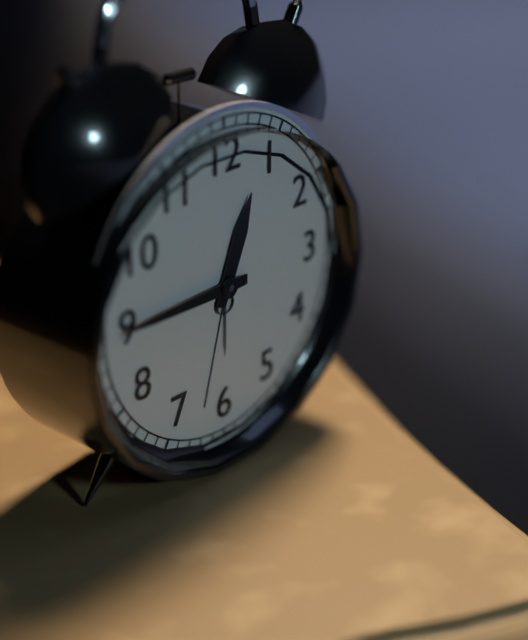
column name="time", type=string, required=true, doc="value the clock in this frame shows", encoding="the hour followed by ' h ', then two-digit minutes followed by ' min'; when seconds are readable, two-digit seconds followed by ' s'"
12 h 45 min
